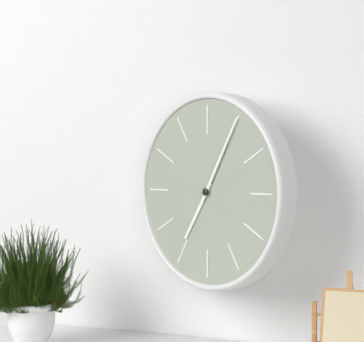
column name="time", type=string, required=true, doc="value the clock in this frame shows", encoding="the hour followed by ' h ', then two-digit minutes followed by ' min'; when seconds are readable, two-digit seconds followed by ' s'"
7 h 05 min
